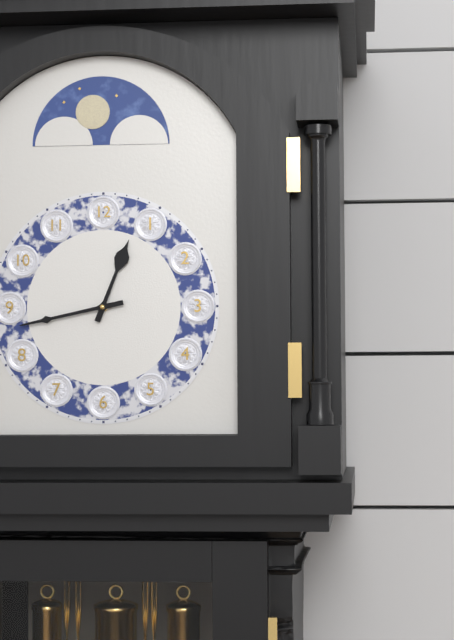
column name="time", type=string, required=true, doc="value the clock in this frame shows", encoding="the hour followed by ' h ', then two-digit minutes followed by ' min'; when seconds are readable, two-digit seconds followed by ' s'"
12 h 43 min
